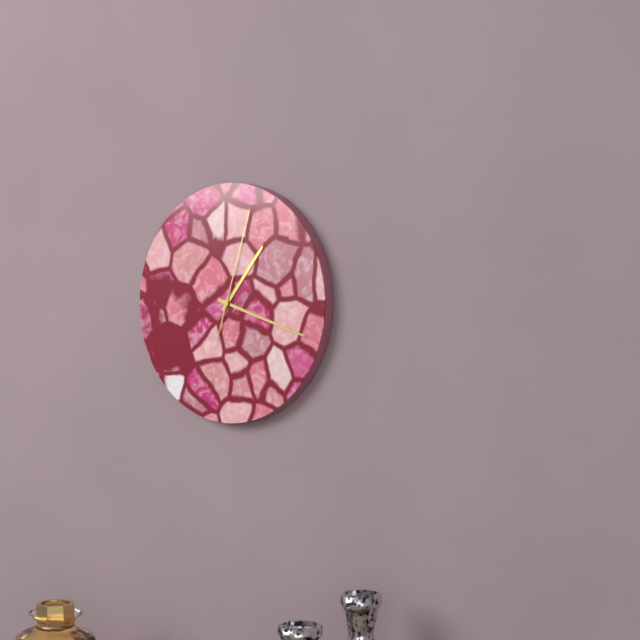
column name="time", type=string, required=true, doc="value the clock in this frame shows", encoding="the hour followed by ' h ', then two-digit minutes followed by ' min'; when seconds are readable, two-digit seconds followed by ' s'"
1 h 18 min 03 s
